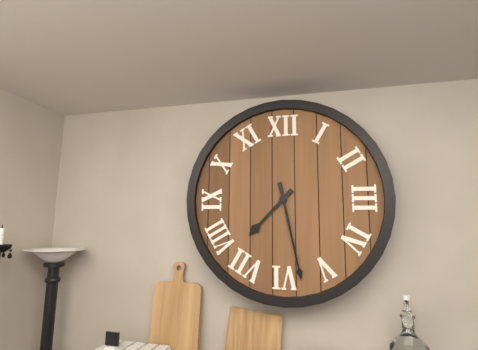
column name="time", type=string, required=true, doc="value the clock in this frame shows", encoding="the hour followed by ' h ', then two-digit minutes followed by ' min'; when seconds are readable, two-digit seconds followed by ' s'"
7 h 28 min
